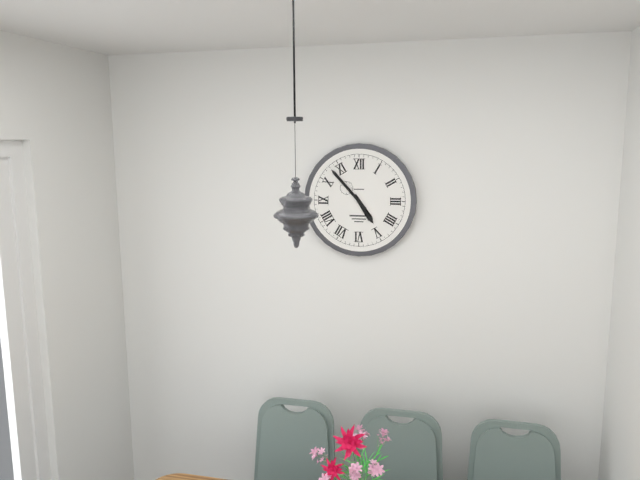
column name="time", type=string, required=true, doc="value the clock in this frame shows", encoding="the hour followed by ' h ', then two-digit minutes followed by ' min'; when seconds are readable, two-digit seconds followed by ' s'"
4 h 53 min
